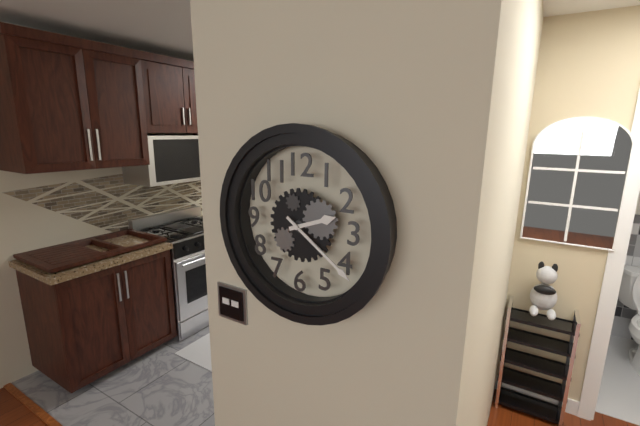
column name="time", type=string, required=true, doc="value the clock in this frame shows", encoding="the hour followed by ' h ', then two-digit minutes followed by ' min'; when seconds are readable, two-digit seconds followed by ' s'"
2 h 21 min
